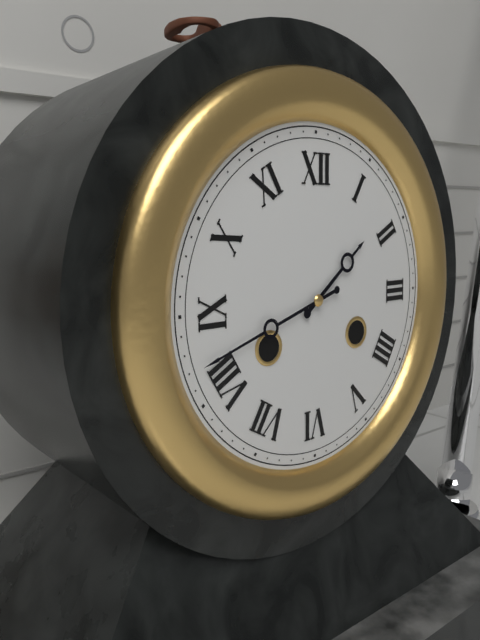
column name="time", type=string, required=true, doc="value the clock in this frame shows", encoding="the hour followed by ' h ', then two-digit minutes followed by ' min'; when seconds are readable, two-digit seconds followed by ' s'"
1 h 42 min
